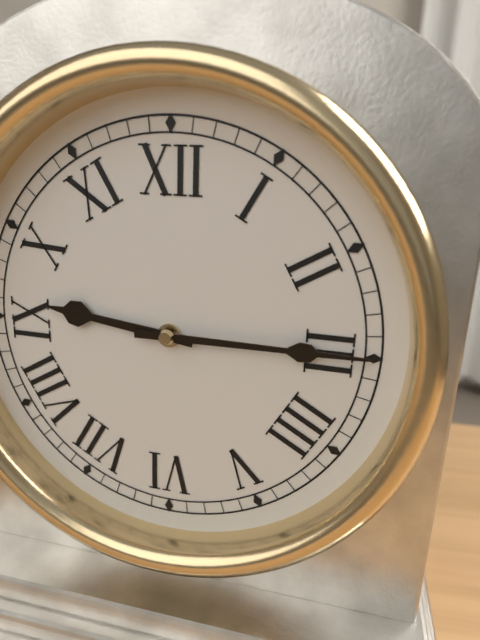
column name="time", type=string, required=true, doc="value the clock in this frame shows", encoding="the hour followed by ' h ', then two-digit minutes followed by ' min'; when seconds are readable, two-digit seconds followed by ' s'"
9 h 15 min
